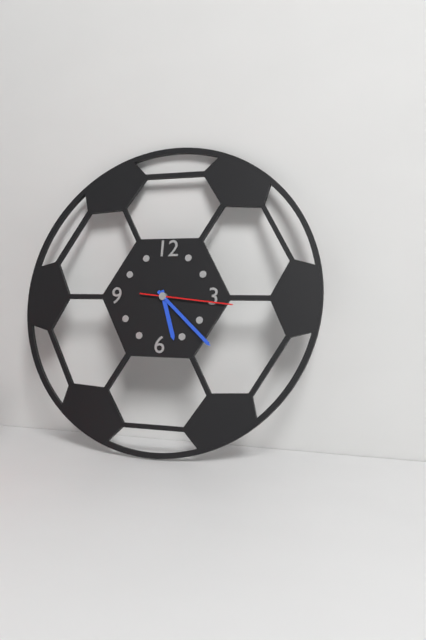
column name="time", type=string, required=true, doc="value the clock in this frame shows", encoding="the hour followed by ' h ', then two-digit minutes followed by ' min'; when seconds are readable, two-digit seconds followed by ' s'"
5 h 22 min 16 s
